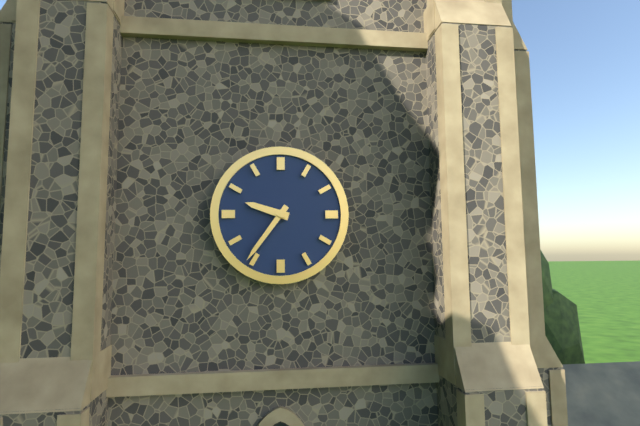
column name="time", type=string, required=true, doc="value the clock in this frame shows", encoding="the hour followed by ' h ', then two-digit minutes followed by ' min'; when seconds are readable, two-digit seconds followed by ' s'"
9 h 36 min
